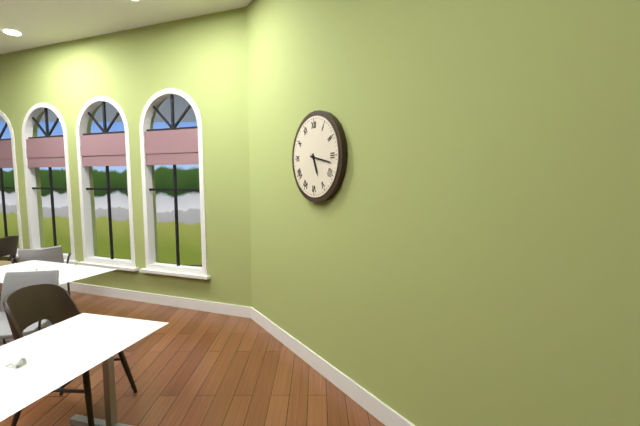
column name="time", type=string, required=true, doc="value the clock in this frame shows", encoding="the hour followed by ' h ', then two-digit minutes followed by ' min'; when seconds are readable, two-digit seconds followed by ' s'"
5 h 17 min
